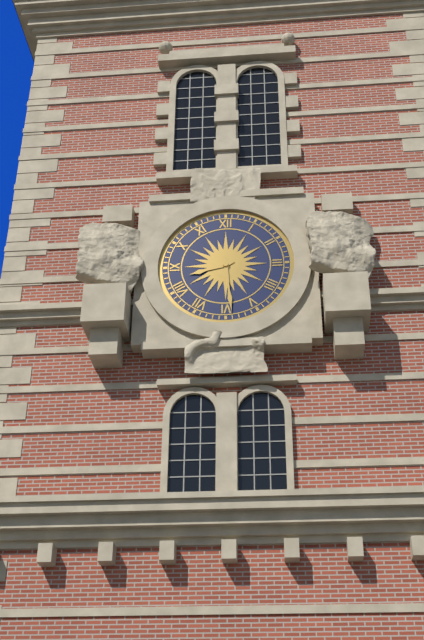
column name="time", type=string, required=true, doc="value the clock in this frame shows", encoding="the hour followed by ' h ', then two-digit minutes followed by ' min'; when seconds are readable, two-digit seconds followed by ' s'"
8 h 29 min
